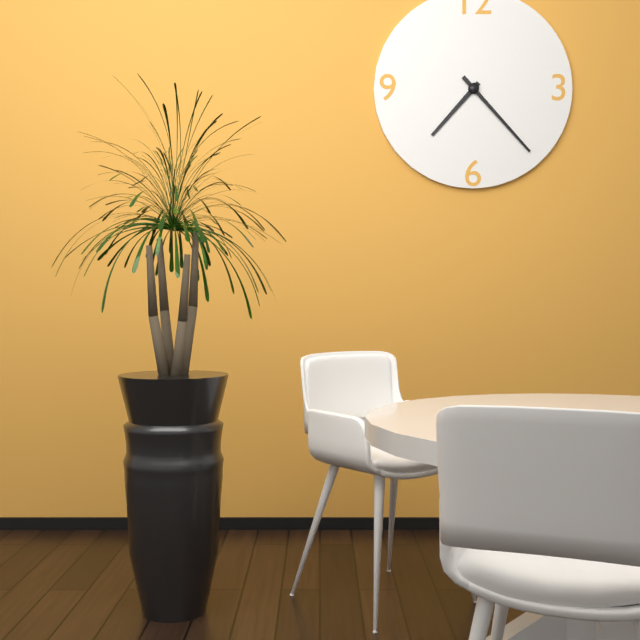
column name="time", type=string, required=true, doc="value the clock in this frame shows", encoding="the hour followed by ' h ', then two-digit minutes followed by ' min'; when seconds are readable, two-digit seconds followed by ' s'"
7 h 23 min
